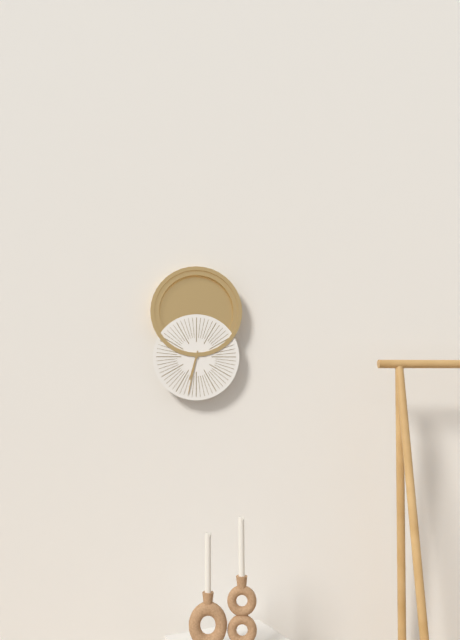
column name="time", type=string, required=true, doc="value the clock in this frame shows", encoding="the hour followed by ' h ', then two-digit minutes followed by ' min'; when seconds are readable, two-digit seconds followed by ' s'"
6 h 32 min
